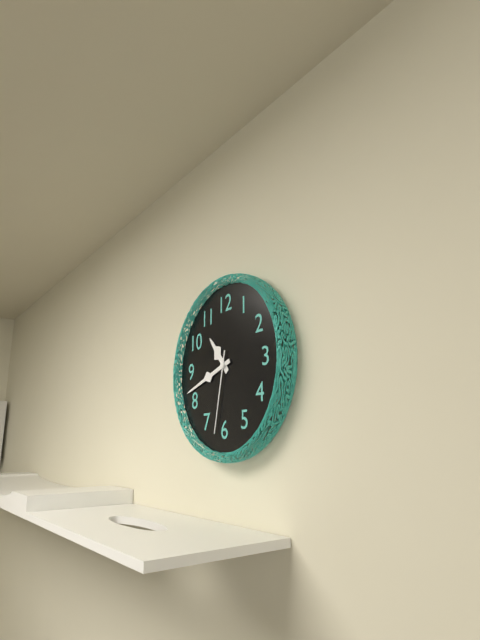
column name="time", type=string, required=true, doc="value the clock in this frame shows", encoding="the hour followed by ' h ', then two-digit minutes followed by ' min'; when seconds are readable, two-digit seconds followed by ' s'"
10 h 42 min 32 s
